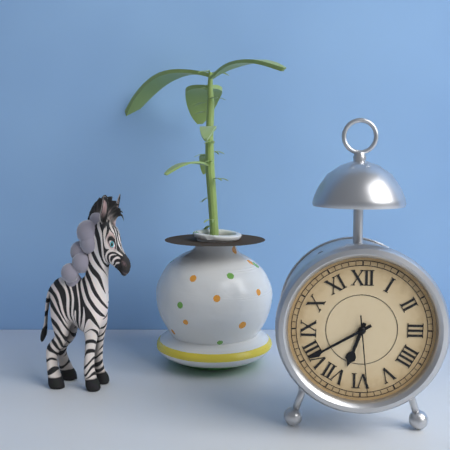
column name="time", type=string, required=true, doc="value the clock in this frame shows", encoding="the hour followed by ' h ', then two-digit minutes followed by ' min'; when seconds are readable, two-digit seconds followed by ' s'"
6 h 40 min 29 s
